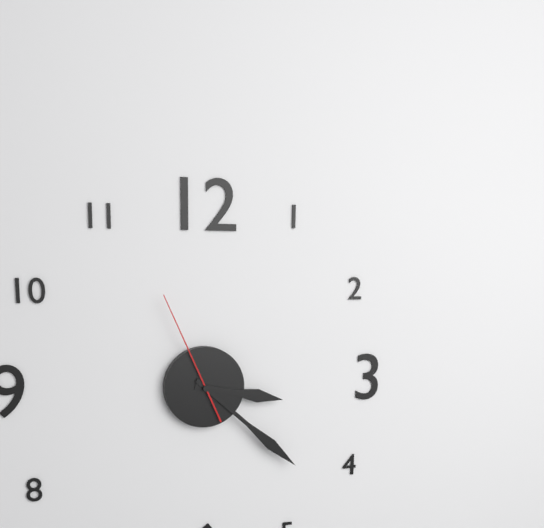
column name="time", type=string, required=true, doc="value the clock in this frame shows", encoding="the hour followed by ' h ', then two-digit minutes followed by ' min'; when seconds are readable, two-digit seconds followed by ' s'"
3 h 22 min 56 s
